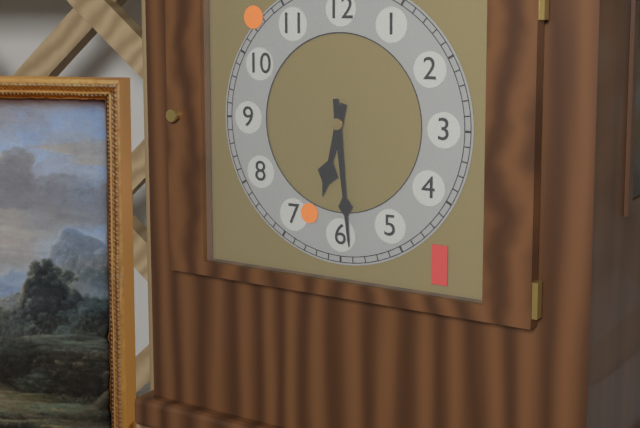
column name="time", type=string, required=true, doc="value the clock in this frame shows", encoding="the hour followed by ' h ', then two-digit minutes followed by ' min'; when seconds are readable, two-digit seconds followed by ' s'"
6 h 29 min
